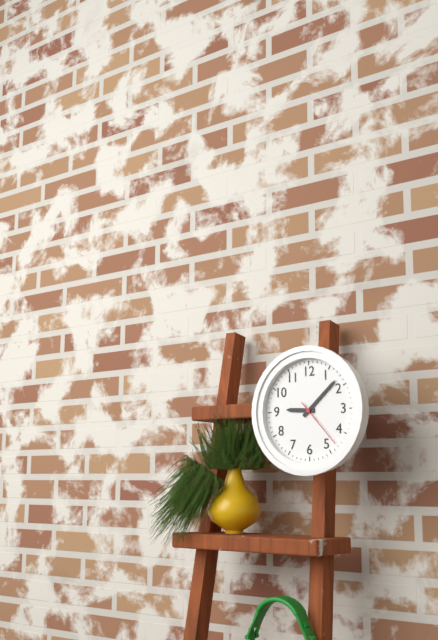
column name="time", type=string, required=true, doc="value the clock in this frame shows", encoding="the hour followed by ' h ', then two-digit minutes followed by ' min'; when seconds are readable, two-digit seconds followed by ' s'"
9 h 08 min 23 s
